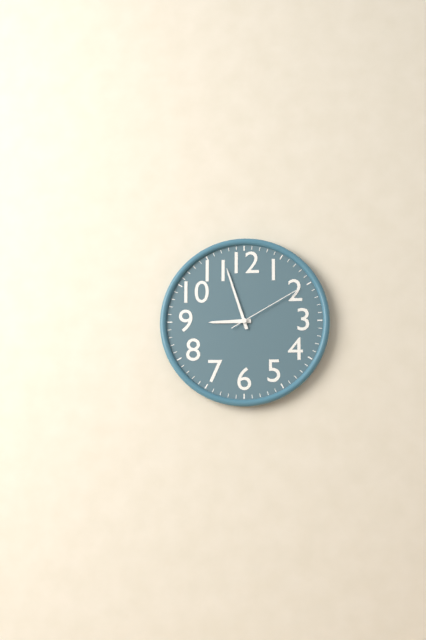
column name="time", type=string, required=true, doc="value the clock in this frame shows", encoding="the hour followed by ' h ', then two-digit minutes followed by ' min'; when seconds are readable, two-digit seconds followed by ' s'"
8 h 57 min 10 s
